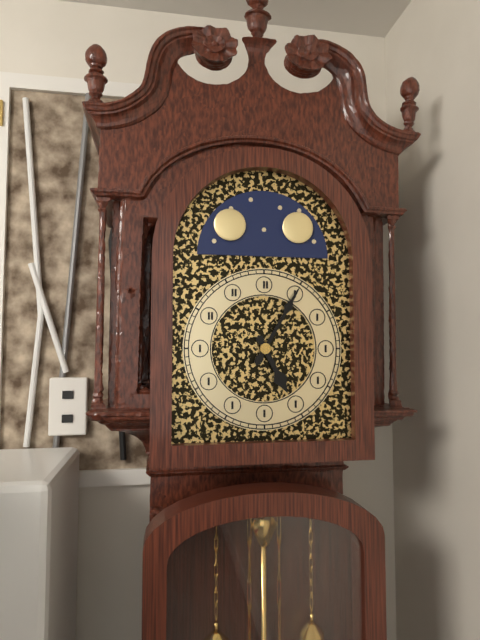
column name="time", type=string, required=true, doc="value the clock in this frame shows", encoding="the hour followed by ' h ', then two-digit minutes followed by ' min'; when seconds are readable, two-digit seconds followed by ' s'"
5 h 05 min
